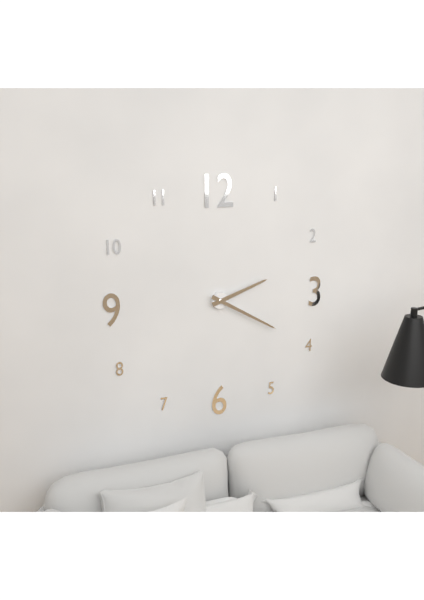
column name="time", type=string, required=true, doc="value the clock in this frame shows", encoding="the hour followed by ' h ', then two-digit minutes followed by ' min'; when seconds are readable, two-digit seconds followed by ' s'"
2 h 20 min
